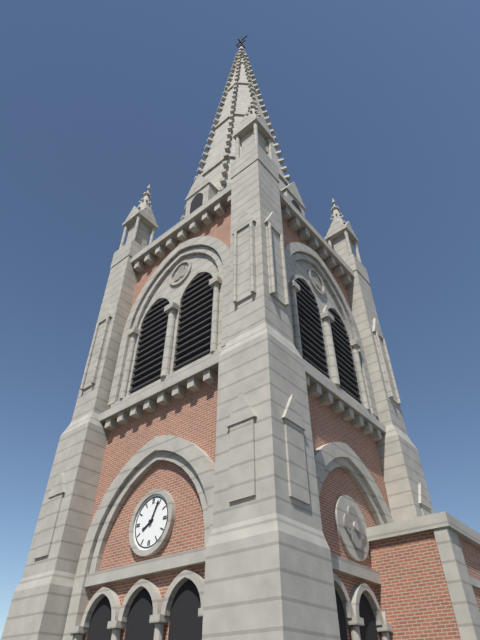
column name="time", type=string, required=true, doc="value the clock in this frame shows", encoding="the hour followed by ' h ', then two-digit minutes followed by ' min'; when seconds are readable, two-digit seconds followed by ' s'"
8 h 04 min
